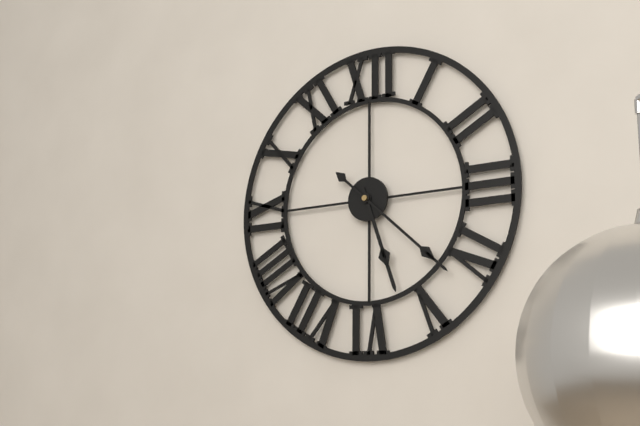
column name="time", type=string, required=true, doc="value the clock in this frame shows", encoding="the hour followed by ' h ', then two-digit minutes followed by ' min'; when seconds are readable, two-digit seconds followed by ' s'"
5 h 22 min
